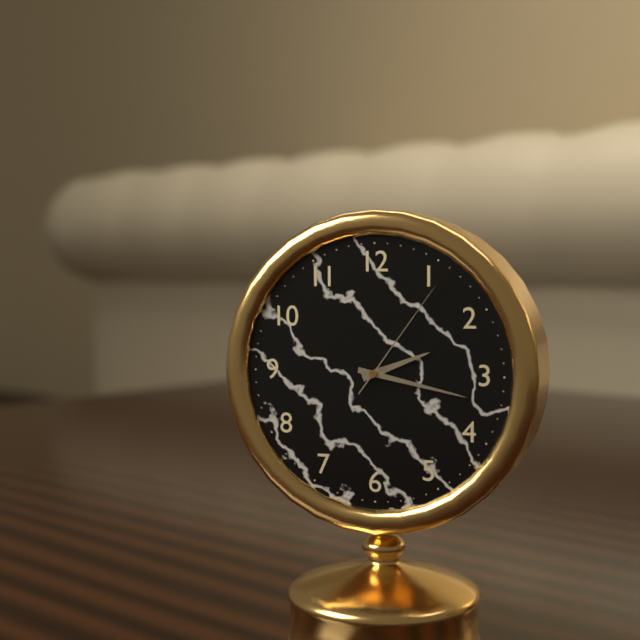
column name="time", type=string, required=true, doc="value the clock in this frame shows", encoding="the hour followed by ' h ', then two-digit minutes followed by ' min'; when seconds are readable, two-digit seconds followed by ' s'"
2 h 17 min 06 s
